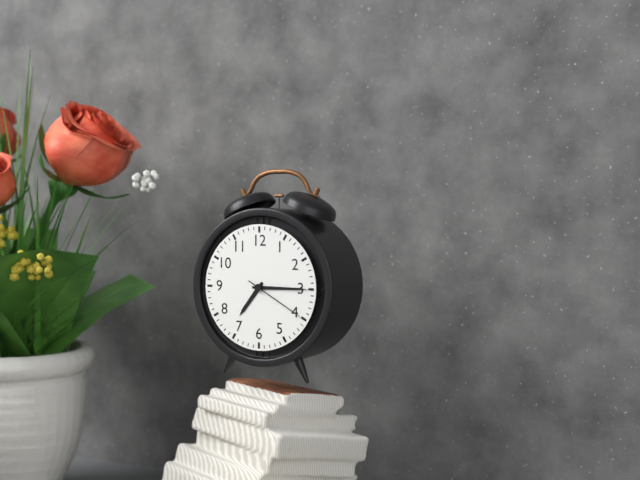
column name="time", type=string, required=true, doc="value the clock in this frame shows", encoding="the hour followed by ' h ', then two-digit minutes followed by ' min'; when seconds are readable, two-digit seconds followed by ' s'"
7 h 15 min 20 s
